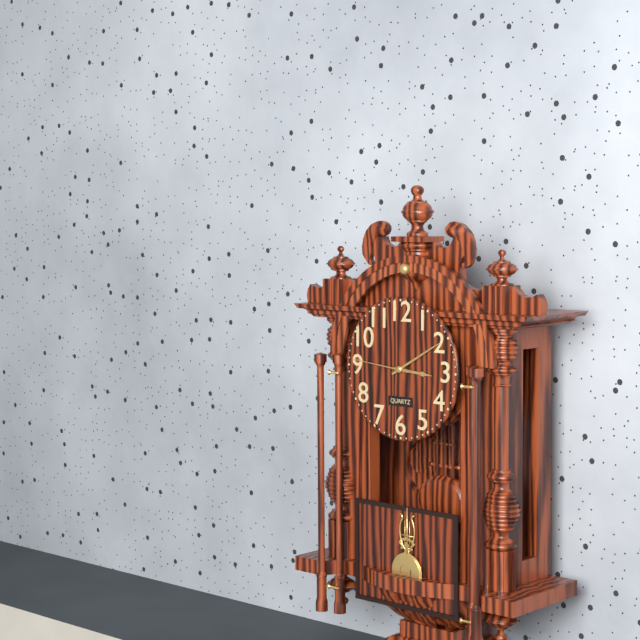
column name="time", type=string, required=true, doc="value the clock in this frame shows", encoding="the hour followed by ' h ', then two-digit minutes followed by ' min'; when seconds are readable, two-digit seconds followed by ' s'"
3 h 10 min 46 s
